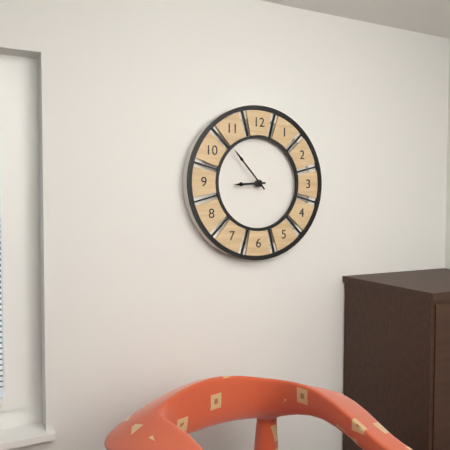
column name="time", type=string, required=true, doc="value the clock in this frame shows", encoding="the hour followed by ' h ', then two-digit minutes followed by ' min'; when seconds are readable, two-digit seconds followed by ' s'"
8 h 53 min
